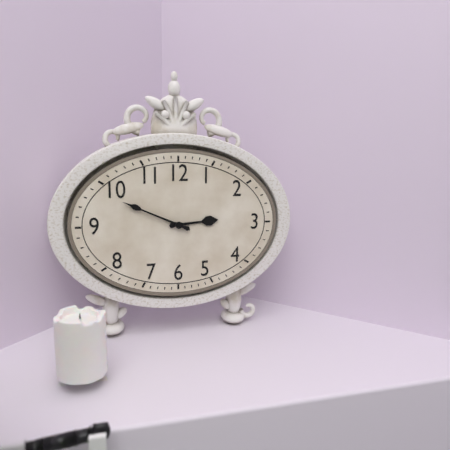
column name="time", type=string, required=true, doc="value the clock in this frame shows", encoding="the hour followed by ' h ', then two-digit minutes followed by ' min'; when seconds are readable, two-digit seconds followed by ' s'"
2 h 49 min
